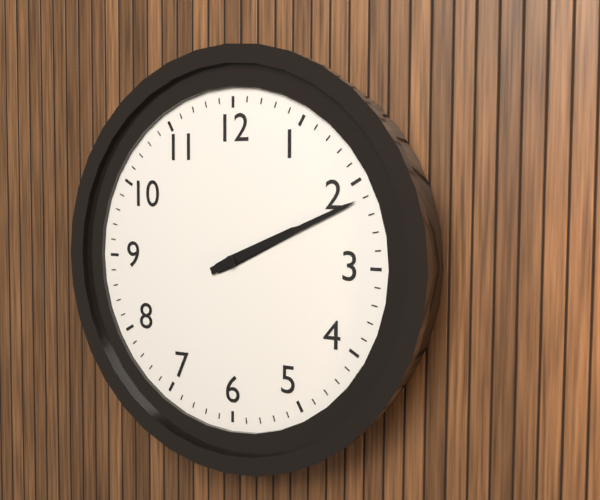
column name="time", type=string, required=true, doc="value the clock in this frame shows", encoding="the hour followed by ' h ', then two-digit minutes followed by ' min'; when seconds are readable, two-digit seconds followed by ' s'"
2 h 11 min
